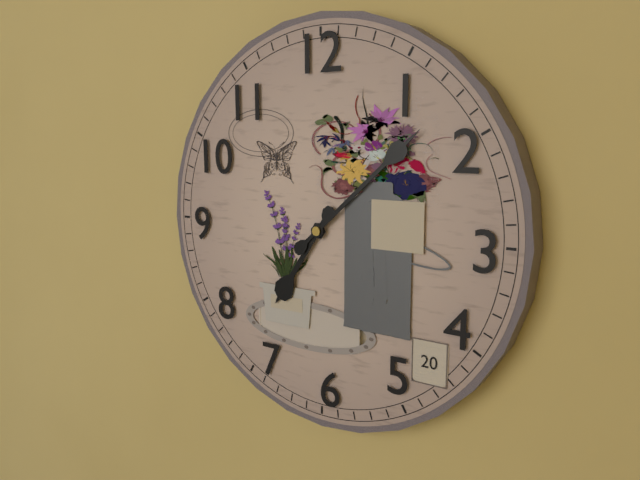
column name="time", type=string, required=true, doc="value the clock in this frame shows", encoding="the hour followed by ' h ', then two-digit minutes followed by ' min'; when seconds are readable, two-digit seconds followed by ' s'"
7 h 08 min
